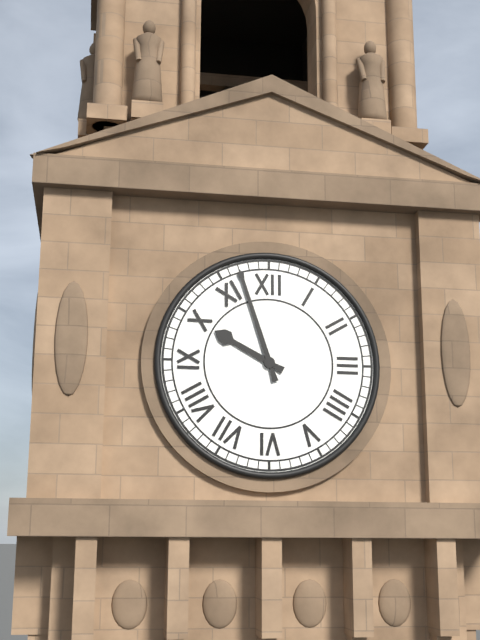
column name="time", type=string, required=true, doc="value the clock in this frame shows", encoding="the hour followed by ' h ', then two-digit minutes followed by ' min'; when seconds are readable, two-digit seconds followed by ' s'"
9 h 57 min
